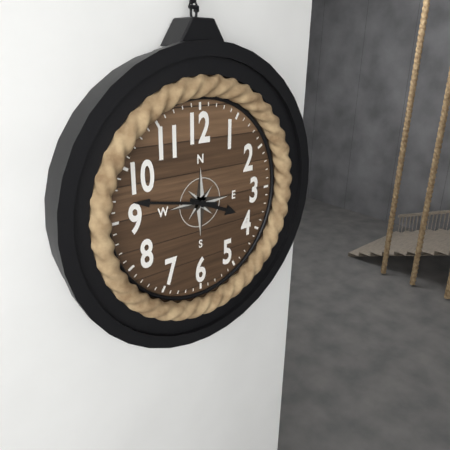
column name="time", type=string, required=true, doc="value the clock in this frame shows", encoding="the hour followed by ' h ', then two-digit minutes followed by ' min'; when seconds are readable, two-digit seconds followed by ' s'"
3 h 47 min
